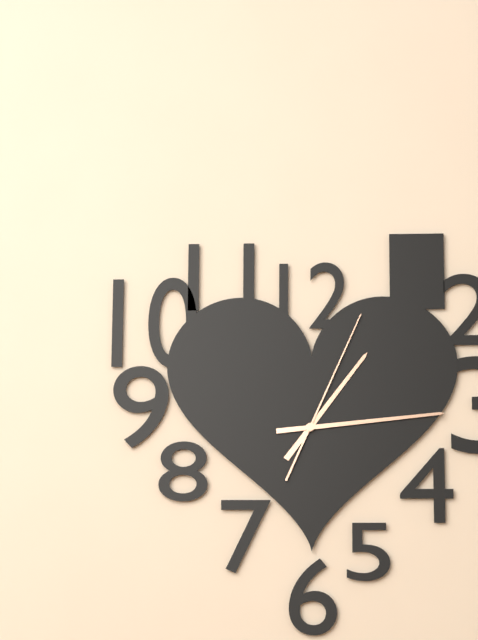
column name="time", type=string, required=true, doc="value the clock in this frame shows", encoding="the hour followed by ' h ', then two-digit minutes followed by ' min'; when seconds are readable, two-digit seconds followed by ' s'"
1 h 14 min 04 s
